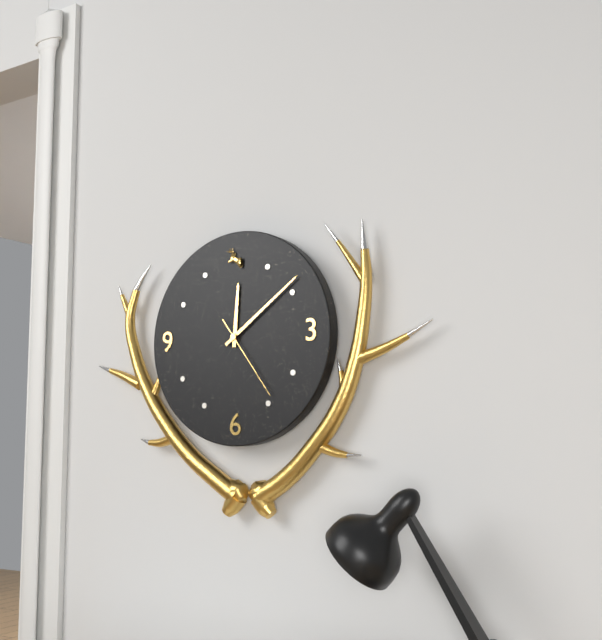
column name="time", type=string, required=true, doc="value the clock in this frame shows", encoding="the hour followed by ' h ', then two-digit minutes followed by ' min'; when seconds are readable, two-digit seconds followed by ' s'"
12 h 09 min 24 s
